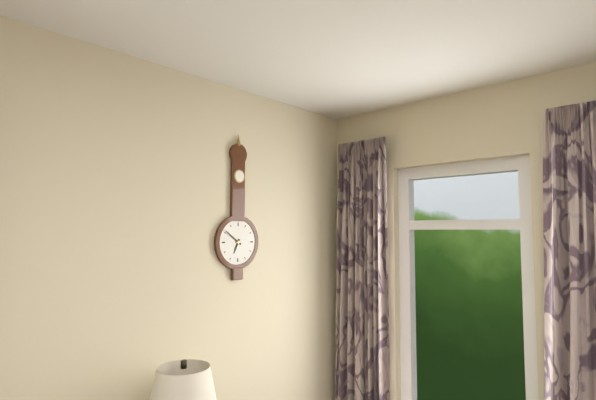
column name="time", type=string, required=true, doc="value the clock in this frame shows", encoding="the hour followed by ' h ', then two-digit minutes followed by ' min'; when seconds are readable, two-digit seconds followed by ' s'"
6 h 51 min
